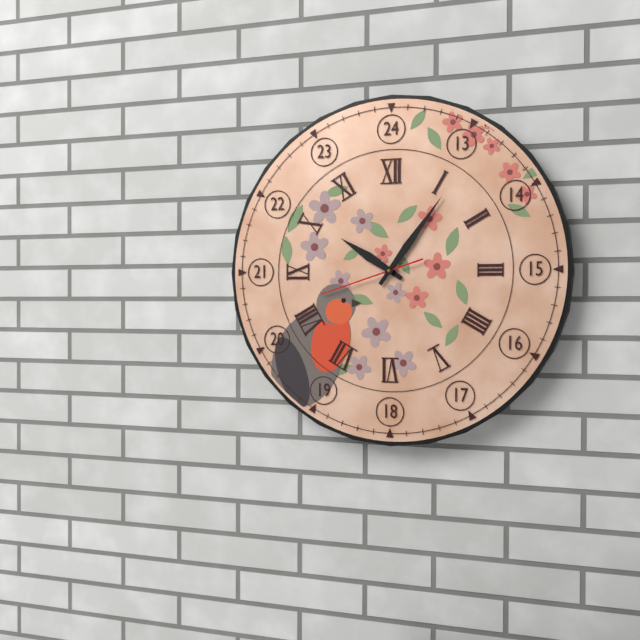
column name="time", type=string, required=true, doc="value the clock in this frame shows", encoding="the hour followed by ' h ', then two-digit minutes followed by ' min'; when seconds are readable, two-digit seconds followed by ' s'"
10 h 06 min 42 s
